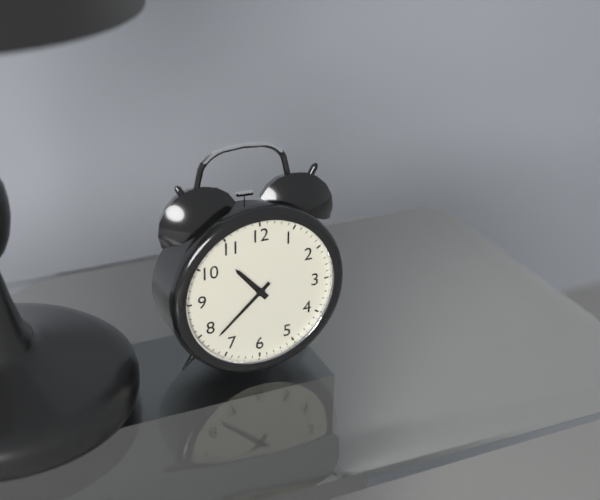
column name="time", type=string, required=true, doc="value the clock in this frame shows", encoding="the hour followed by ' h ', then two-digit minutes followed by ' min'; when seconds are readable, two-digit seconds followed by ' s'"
10 h 38 min
